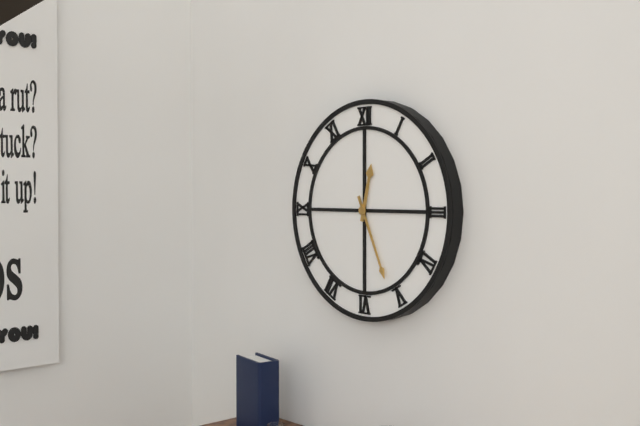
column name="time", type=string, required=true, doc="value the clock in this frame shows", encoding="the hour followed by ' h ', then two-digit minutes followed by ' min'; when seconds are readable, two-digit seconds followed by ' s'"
12 h 26 min
